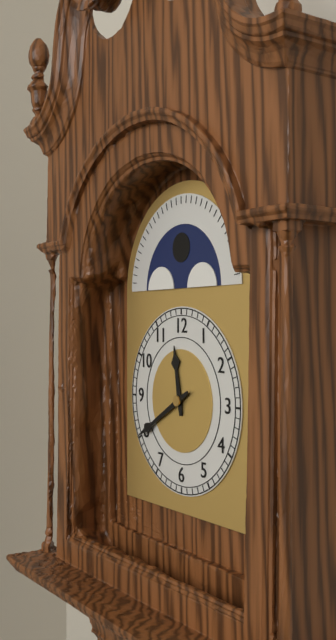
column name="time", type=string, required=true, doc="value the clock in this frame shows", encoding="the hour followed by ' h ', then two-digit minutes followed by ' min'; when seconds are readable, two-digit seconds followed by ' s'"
11 h 40 min
